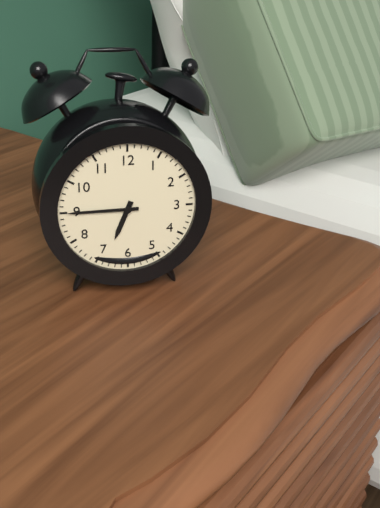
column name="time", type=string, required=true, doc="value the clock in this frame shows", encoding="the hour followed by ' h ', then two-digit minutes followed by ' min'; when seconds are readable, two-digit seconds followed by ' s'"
6 h 45 min
